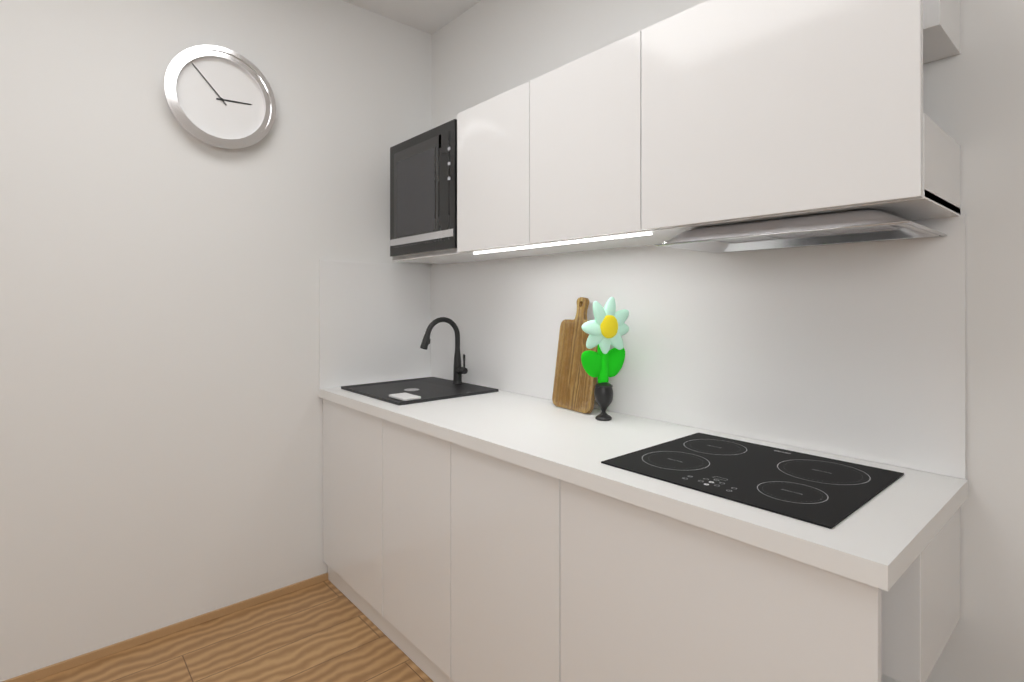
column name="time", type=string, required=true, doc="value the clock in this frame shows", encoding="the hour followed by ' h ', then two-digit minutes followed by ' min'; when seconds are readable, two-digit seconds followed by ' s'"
2 h 53 min
